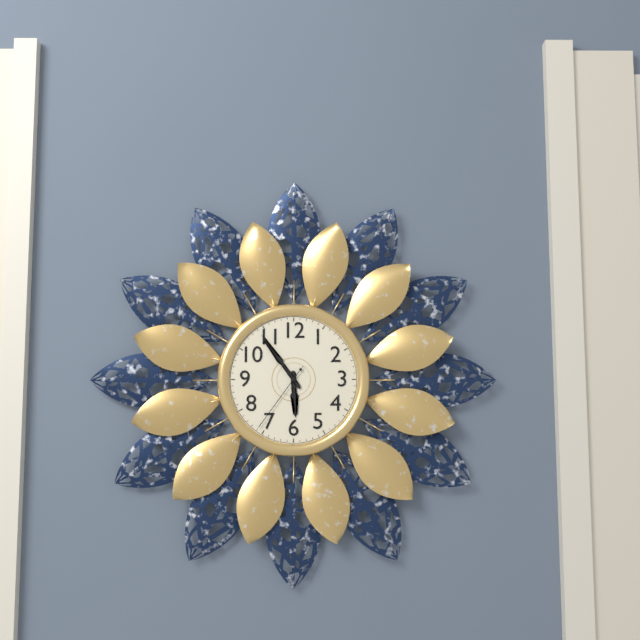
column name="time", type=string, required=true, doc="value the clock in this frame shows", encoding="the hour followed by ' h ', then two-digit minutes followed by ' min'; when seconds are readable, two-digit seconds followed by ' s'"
5 h 54 min 36 s
